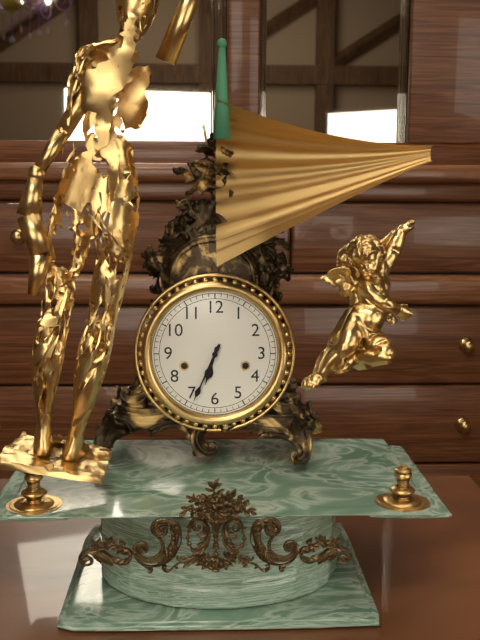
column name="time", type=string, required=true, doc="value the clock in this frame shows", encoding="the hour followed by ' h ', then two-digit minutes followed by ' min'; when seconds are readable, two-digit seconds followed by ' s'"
6 h 34 min
